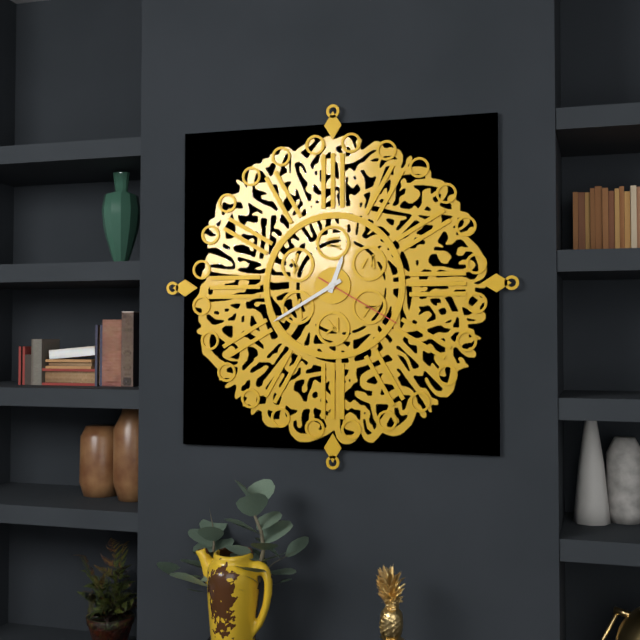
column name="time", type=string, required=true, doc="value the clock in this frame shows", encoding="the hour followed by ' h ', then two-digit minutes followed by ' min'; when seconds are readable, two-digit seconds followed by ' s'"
12 h 40 min 20 s
